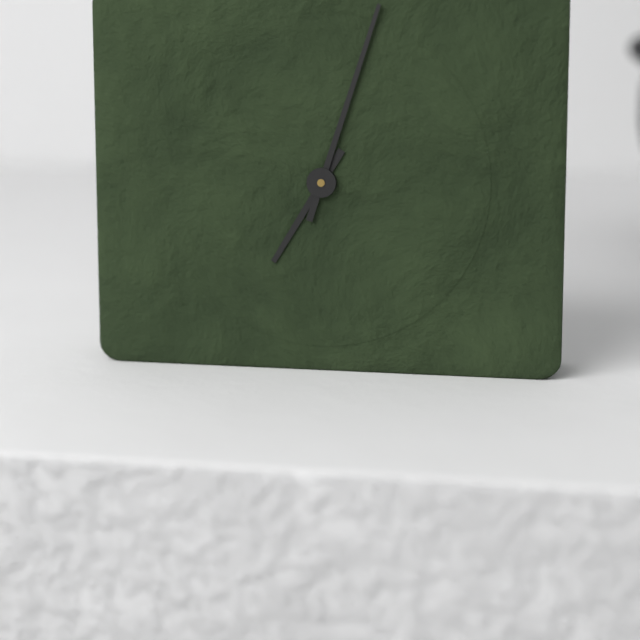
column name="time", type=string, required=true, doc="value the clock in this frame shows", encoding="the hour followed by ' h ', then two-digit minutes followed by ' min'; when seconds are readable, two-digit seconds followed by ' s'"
7 h 03 min
